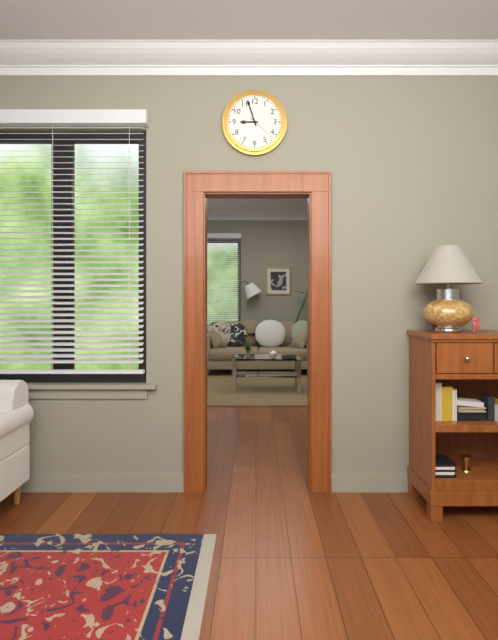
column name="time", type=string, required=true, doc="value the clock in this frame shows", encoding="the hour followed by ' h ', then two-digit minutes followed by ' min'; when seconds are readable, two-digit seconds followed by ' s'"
8 h 57 min
